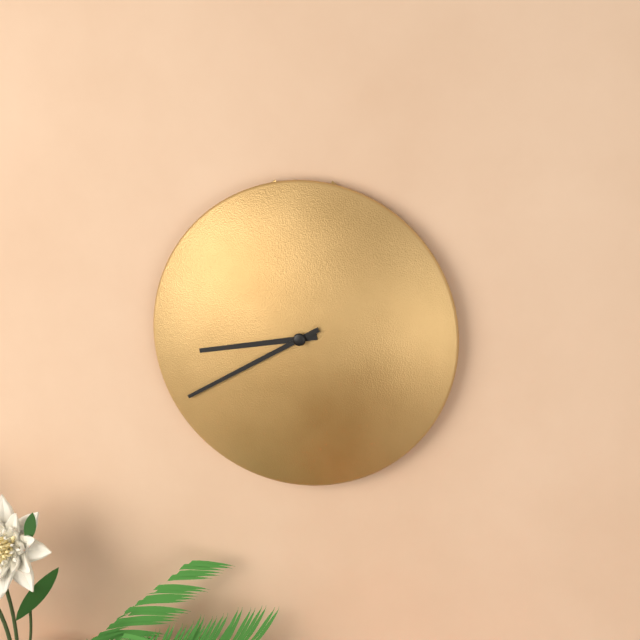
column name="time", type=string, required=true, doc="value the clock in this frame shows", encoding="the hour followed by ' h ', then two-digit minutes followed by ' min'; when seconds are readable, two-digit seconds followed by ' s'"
8 h 40 min
